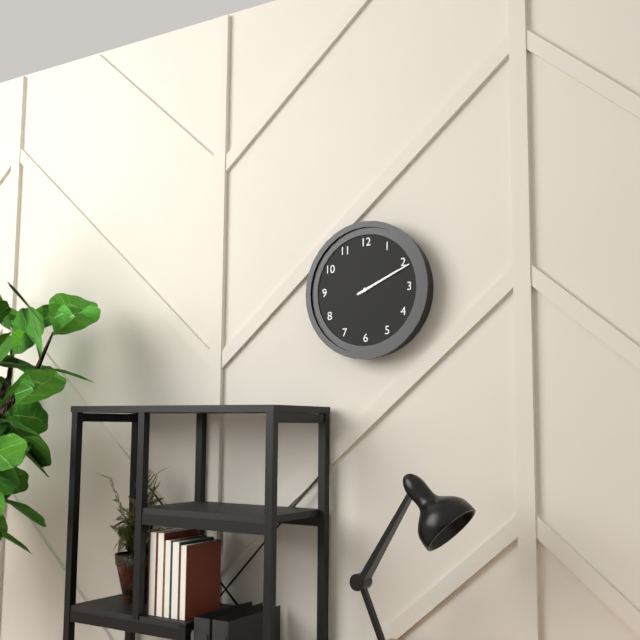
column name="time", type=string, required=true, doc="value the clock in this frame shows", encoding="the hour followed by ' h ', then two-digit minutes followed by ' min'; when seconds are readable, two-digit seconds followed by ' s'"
2 h 11 min
